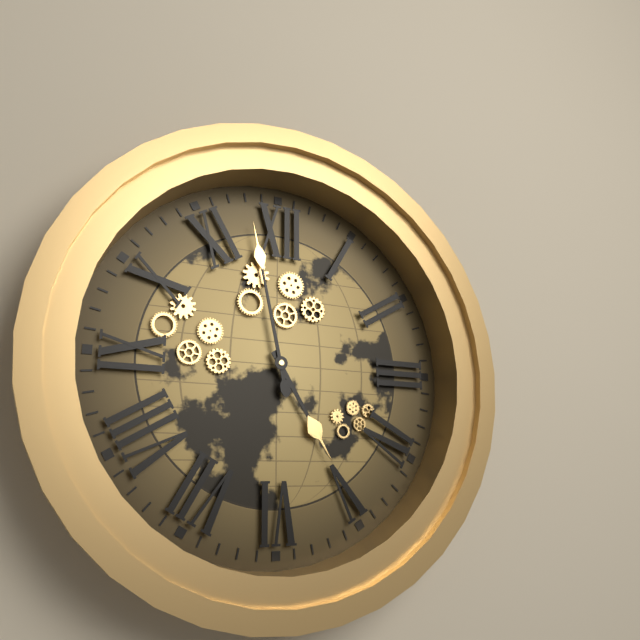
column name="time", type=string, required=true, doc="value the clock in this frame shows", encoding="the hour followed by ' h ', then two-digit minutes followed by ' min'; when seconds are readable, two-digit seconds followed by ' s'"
4 h 58 min
